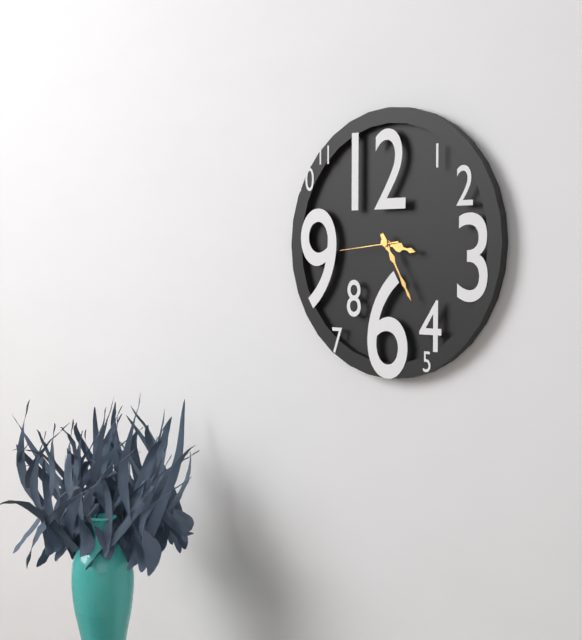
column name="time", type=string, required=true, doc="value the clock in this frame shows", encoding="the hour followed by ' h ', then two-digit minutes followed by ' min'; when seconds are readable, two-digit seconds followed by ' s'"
3 h 25 min 44 s
